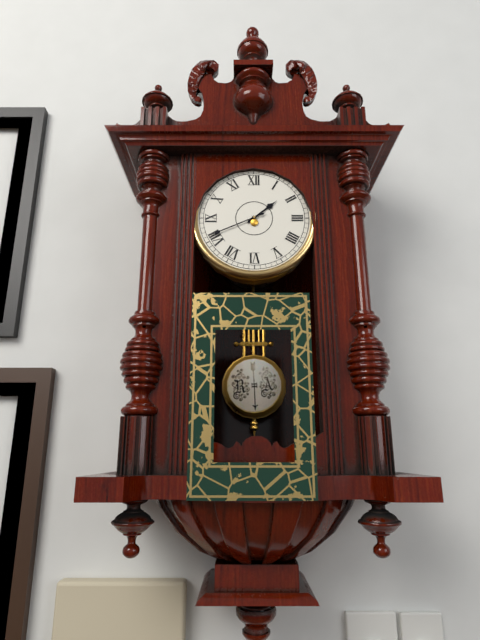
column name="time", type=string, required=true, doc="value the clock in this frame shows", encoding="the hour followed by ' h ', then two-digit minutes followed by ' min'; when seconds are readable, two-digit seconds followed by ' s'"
1 h 41 min
